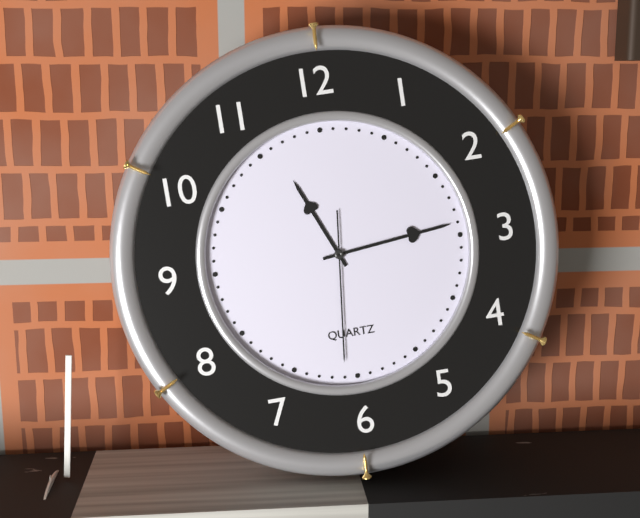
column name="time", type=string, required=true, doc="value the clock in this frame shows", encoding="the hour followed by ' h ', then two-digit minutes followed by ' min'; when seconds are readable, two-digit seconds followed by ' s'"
11 h 14 min 31 s
